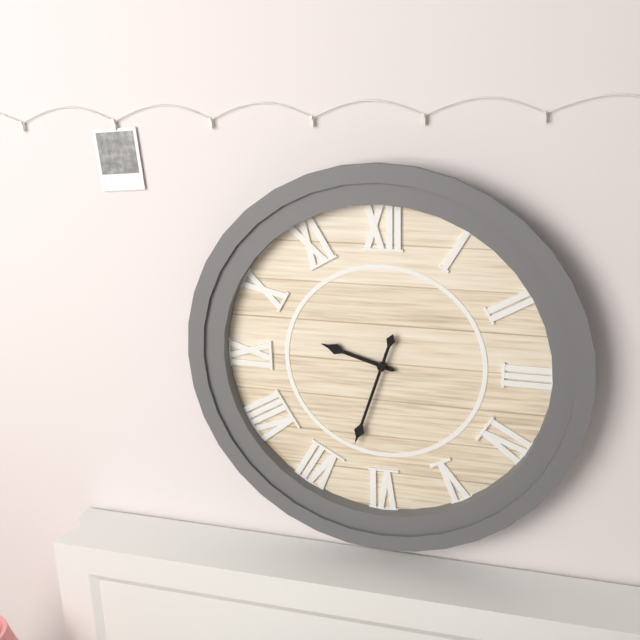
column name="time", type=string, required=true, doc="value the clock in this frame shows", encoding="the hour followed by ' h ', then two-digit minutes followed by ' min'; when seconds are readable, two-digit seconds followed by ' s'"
9 h 33 min
